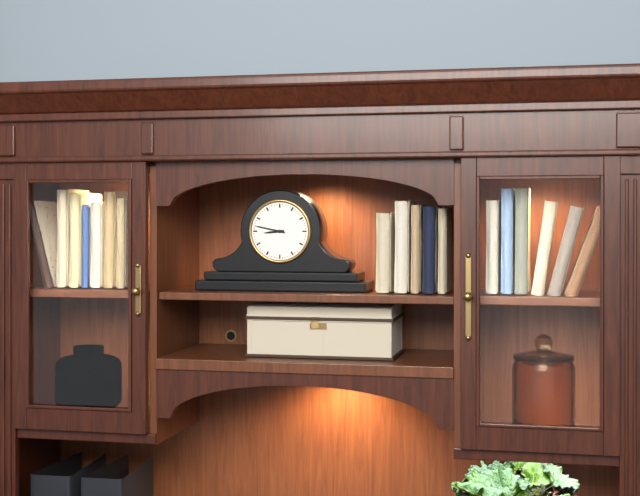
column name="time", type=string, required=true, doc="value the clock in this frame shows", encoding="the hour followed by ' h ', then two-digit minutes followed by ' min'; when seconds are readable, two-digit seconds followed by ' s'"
8 h 47 min
